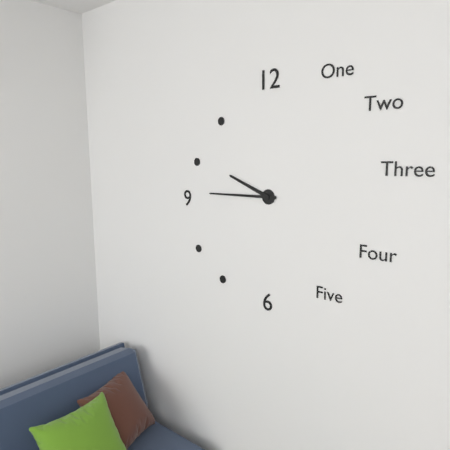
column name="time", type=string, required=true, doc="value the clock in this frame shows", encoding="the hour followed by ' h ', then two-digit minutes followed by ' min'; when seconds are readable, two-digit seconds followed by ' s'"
9 h 45 min
